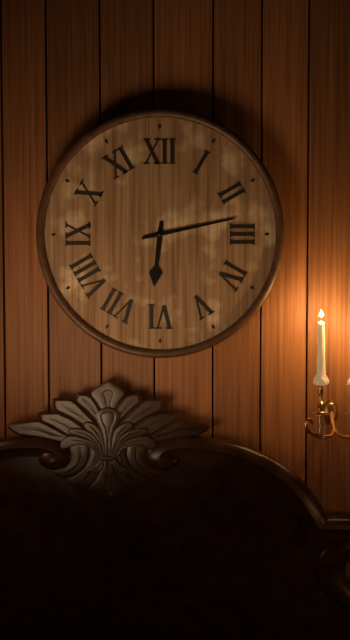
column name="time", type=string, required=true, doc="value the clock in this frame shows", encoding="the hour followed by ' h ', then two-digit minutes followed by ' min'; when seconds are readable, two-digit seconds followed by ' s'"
6 h 13 min
